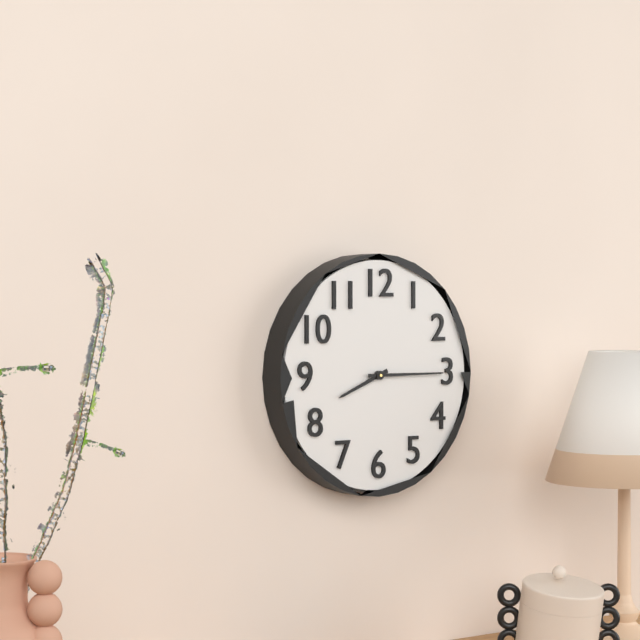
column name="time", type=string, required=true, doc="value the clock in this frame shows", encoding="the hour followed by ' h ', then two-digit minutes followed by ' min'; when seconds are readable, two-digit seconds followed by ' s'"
8 h 15 min
